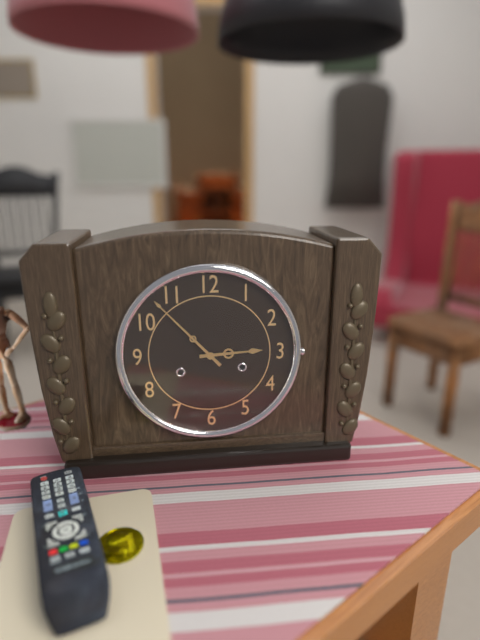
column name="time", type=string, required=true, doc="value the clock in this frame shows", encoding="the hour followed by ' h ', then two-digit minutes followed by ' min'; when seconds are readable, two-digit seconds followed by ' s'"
2 h 53 min
